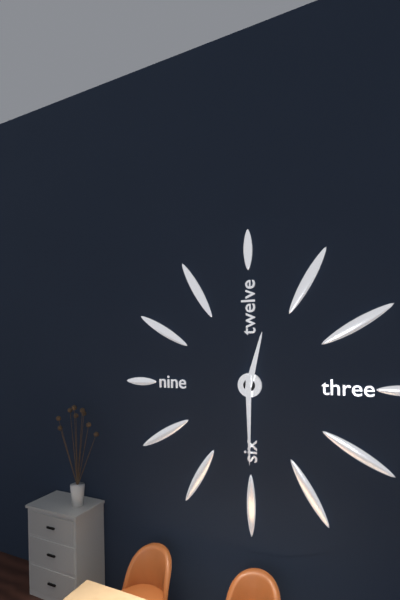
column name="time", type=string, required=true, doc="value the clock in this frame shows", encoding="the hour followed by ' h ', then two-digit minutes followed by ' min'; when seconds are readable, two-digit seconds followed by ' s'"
12 h 30 min
